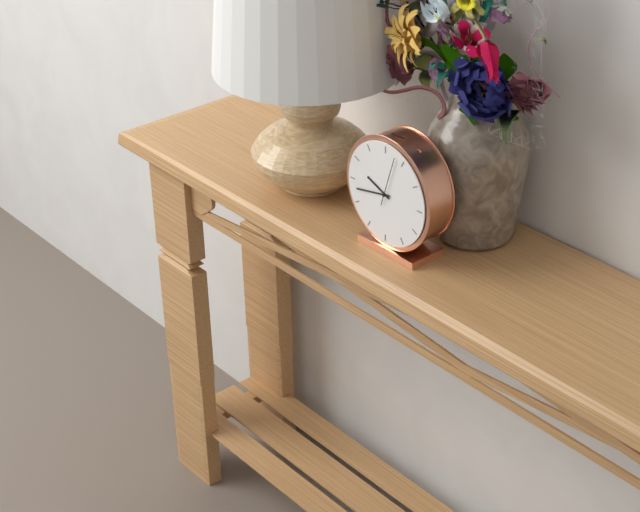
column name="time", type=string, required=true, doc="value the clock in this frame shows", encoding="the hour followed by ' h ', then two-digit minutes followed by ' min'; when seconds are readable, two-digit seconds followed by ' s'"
9 h 43 min
